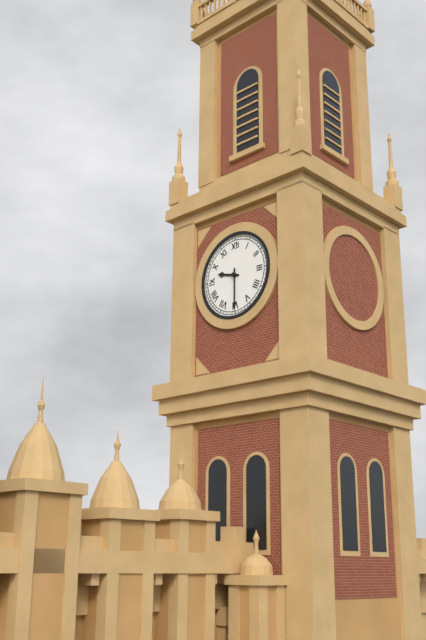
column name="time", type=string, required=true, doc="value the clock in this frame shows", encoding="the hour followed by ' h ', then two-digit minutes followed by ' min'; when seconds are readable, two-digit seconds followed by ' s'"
9 h 30 min
